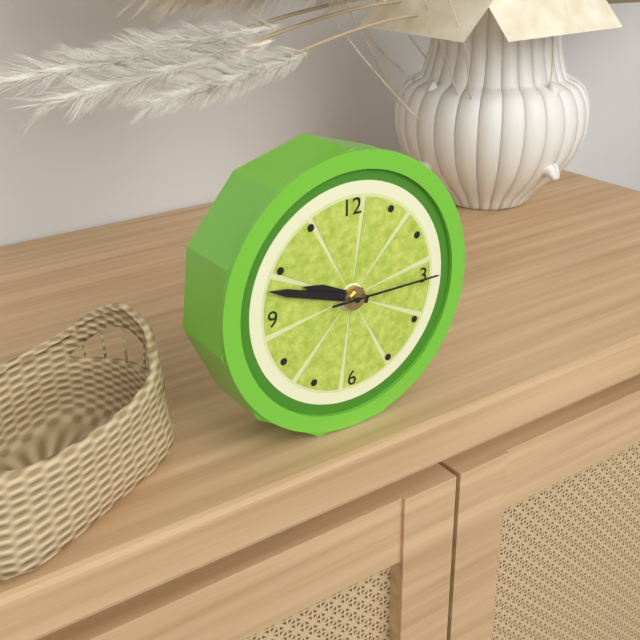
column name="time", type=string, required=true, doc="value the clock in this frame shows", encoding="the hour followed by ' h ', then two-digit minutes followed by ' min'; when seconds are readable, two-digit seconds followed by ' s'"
9 h 48 min 15 s
